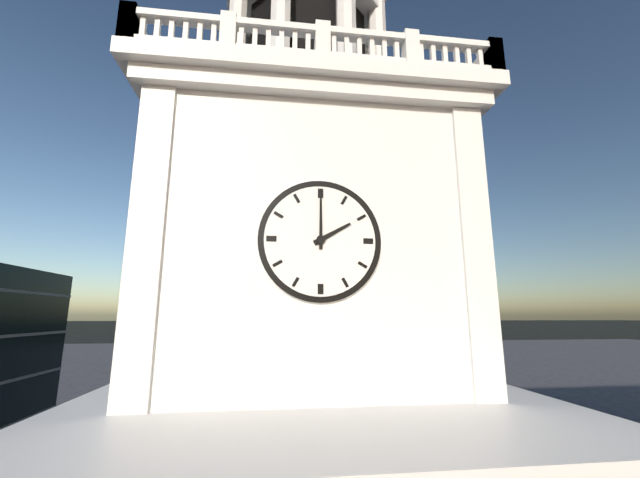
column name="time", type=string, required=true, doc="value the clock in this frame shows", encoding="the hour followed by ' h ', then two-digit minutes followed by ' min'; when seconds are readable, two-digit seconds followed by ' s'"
2 h 00 min
